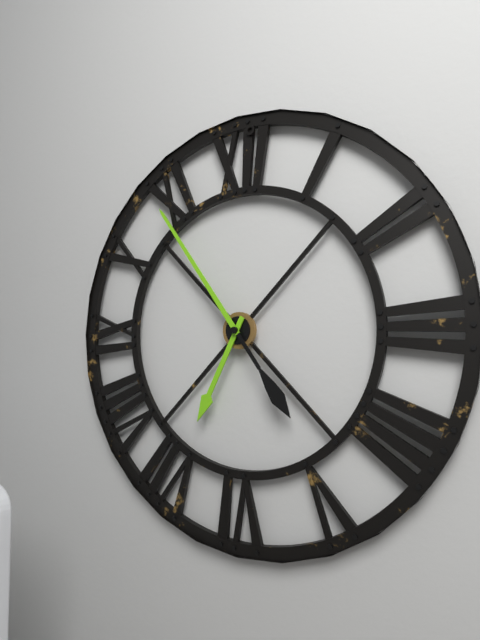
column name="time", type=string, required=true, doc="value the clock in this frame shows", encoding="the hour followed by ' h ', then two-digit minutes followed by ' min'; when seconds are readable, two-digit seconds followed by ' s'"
6 h 54 min
